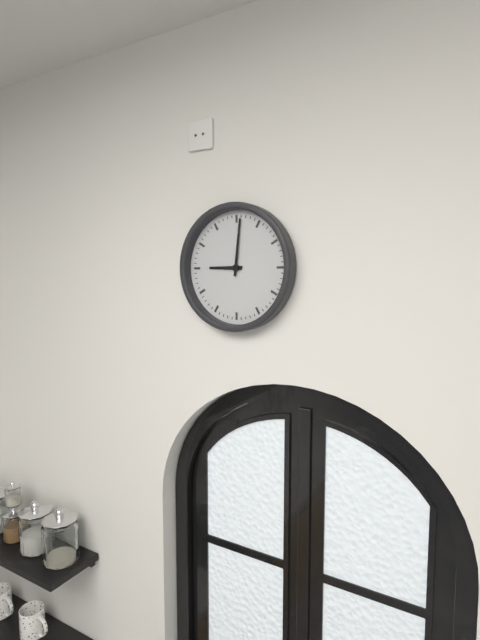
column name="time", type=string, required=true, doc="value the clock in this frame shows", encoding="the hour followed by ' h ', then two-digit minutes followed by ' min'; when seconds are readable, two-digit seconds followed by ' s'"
9 h 01 min
